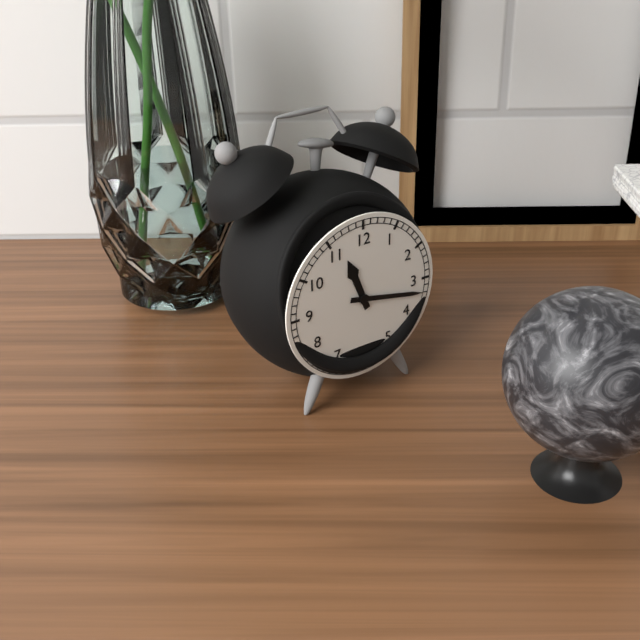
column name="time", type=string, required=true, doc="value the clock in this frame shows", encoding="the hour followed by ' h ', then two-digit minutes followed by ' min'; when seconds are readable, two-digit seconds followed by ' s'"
11 h 17 min
